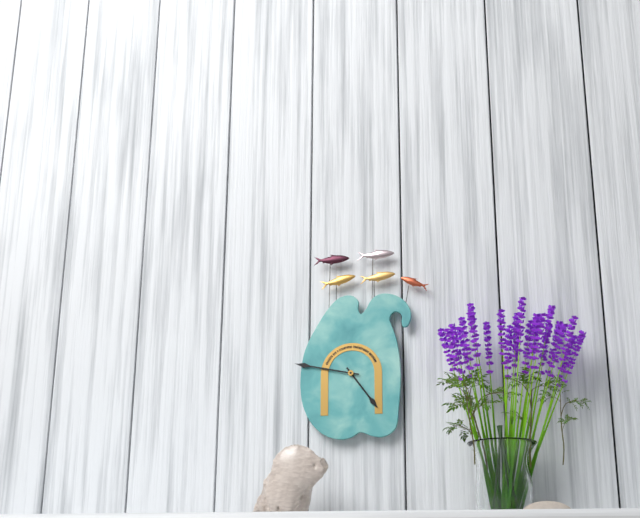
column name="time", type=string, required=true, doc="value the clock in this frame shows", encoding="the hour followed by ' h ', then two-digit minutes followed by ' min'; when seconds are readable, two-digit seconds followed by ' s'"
4 h 47 min
